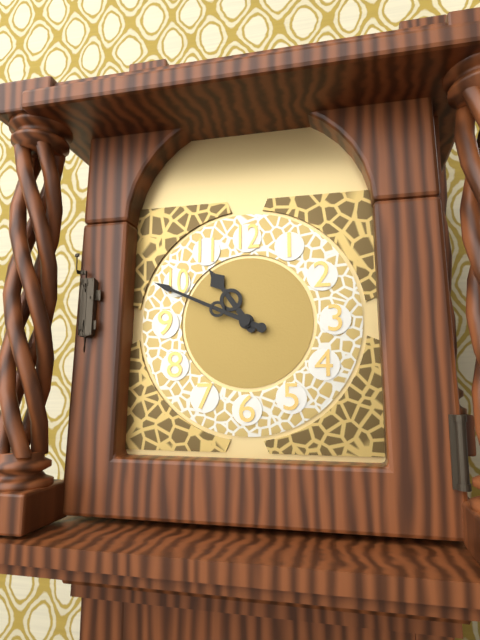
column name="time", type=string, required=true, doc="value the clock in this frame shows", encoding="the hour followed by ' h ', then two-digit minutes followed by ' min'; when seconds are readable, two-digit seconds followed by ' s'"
10 h 49 min
